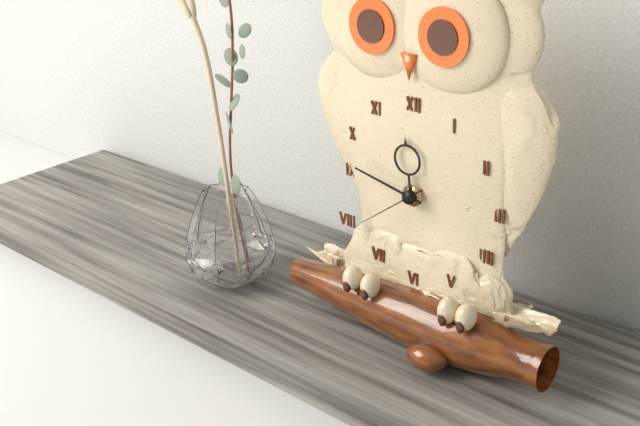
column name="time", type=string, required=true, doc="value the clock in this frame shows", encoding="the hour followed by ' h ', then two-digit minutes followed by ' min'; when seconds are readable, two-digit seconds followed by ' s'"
11 h 47 min 39 s
